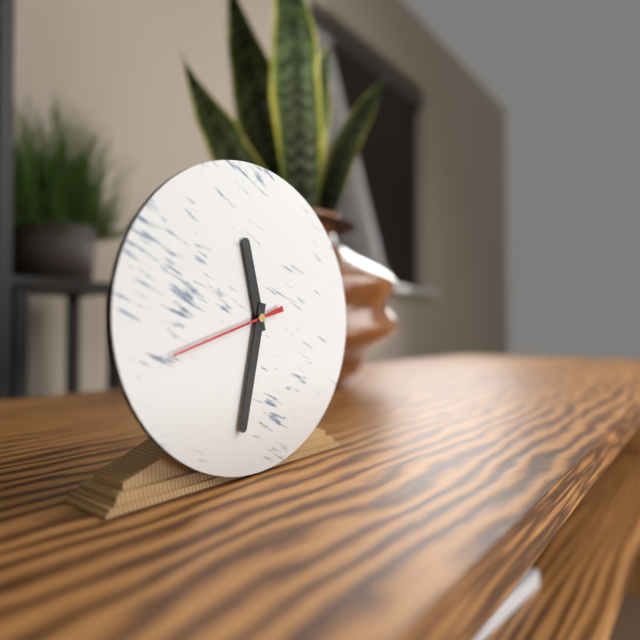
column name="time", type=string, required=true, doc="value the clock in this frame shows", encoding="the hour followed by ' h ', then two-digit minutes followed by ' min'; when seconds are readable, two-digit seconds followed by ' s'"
11 h 32 min 42 s
